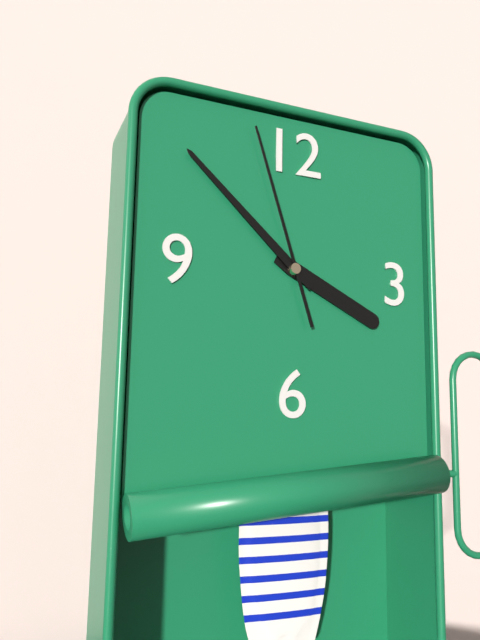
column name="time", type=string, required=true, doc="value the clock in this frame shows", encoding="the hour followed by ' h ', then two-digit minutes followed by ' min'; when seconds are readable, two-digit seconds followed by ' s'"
3 h 52 min 57 s
